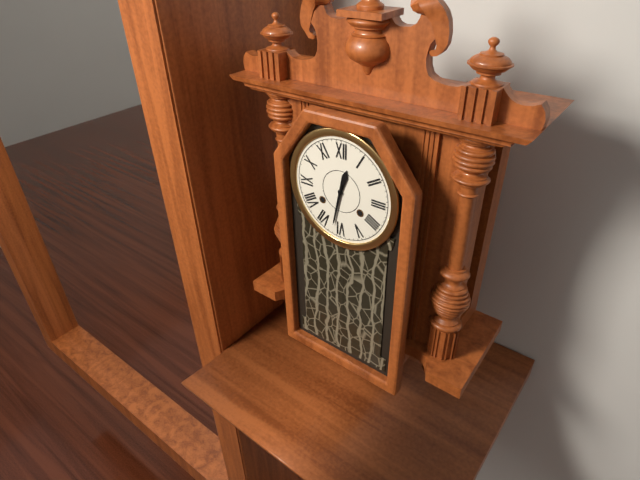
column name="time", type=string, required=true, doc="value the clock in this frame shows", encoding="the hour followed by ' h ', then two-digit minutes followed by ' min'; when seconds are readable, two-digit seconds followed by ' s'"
12 h 32 min
